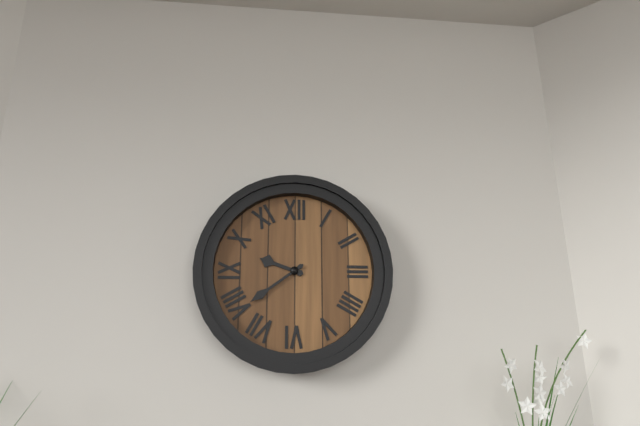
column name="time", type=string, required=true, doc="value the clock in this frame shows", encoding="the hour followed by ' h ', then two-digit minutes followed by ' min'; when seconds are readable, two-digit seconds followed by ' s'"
9 h 39 min
